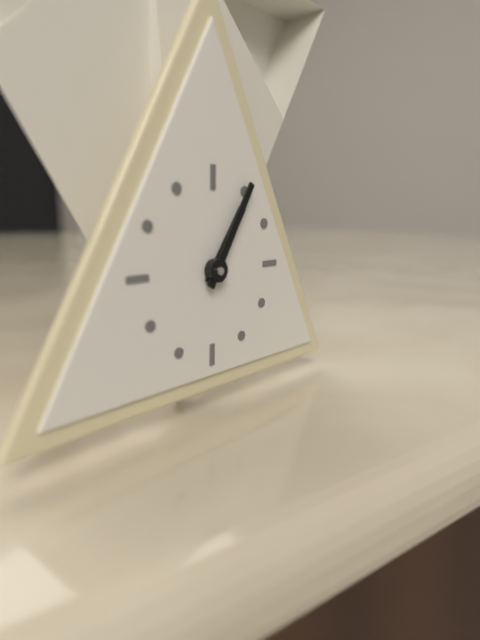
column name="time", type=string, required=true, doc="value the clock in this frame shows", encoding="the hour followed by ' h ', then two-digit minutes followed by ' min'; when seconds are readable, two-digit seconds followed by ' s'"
1 h 05 min
